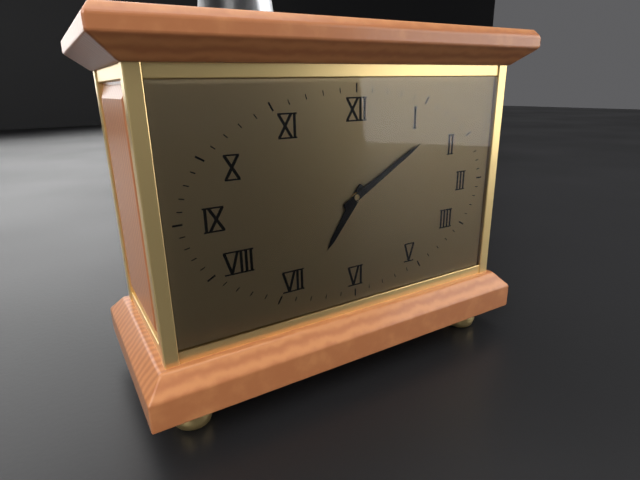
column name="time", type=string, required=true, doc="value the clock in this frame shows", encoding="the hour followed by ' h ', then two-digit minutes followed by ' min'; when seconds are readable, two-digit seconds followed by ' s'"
7 h 10 min
